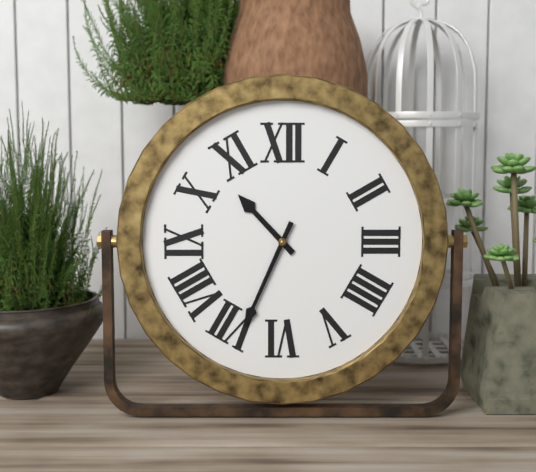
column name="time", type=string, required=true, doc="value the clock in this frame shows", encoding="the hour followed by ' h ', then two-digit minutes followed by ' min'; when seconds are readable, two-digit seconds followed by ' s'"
10 h 34 min
